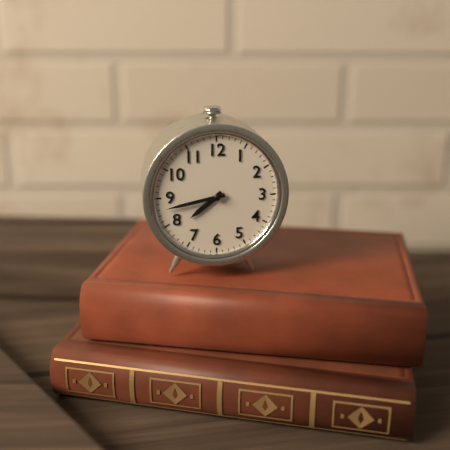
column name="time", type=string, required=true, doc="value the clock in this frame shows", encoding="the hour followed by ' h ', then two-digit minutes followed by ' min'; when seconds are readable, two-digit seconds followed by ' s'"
7 h 43 min
